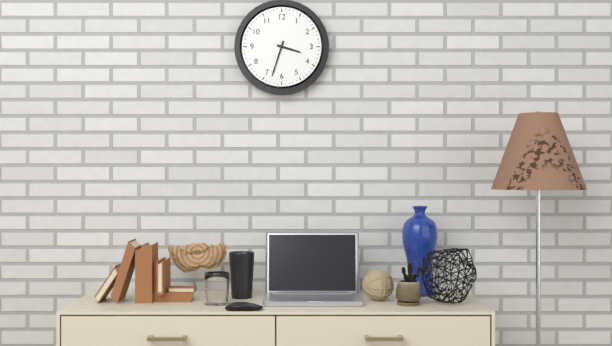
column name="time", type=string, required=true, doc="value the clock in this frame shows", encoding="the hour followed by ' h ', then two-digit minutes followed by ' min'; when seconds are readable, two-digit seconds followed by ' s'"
3 h 33 min
